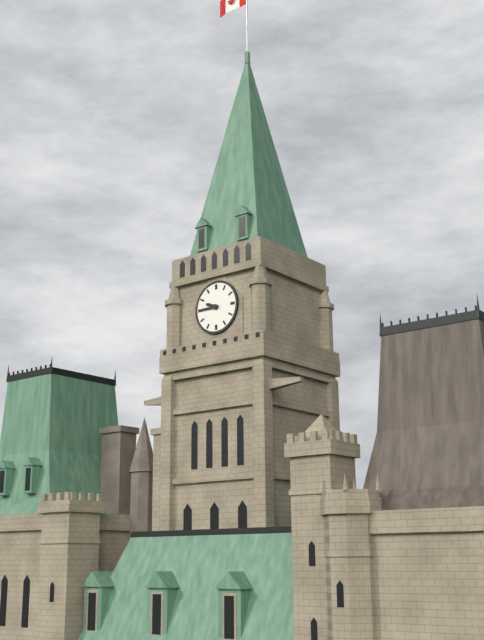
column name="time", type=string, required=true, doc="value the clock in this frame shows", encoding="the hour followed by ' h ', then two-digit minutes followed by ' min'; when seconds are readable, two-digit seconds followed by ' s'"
9 h 45 min
